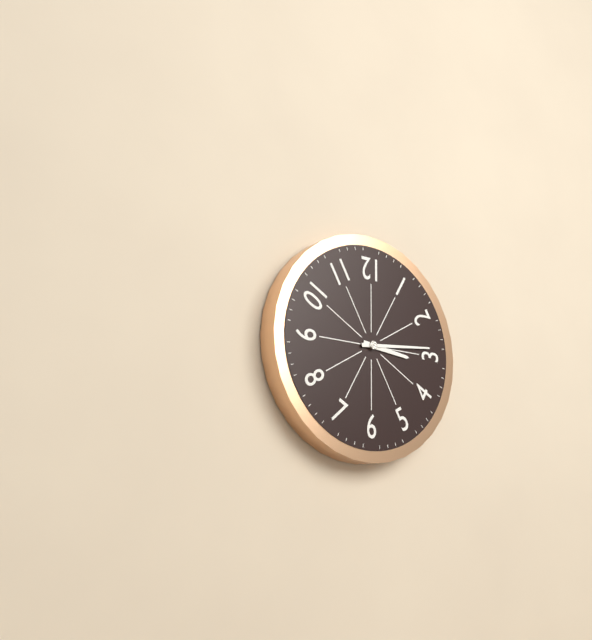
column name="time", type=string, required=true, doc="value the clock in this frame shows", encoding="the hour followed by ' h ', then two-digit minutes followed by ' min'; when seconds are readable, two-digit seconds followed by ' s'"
3 h 14 min
